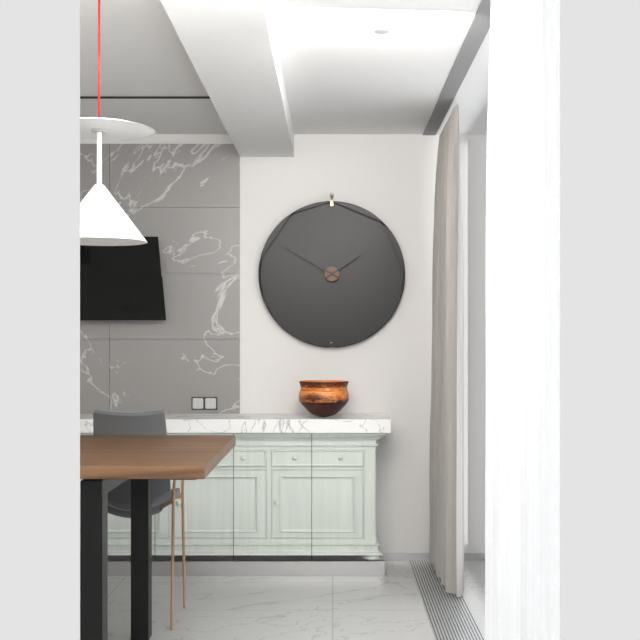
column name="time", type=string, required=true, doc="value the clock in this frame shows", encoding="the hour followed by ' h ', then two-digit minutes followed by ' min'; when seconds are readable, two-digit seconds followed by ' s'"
1 h 50 min
